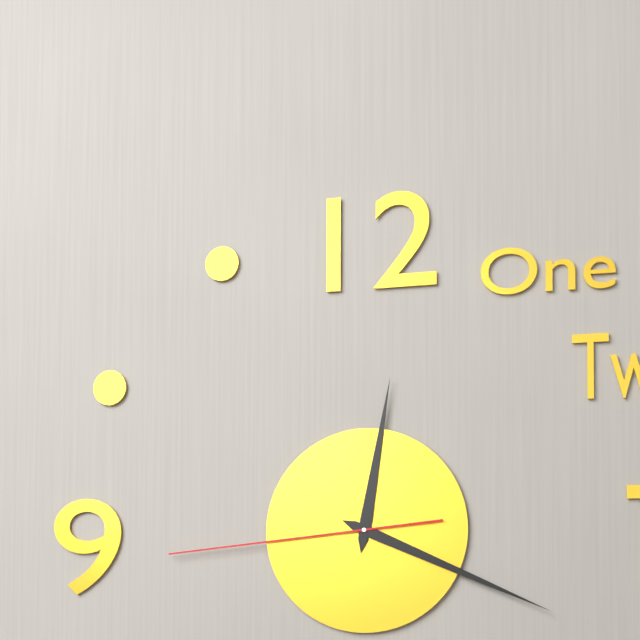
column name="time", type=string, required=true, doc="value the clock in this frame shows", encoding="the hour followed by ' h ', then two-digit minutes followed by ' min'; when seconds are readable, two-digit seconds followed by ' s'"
12 h 19 min 44 s
